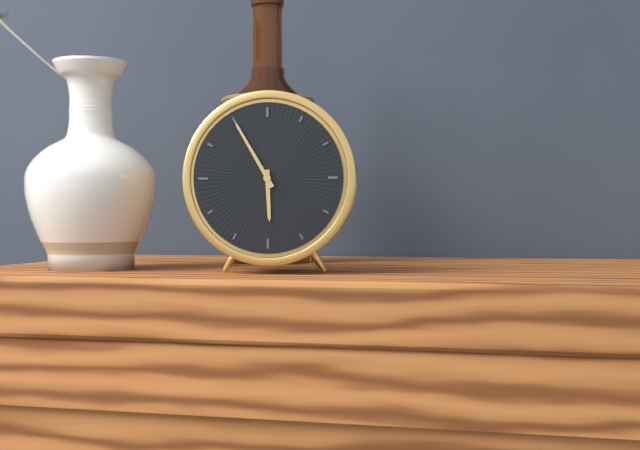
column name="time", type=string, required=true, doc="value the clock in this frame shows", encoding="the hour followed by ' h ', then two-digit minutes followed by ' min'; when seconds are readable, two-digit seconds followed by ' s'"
5 h 55 min
